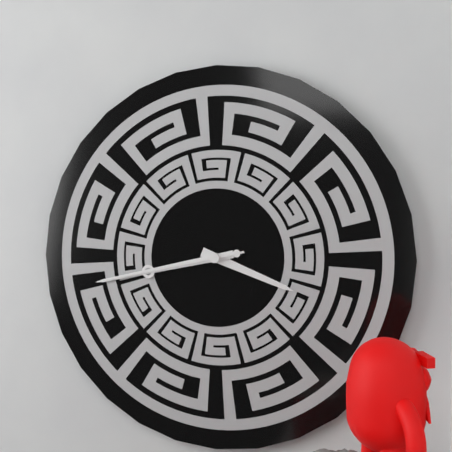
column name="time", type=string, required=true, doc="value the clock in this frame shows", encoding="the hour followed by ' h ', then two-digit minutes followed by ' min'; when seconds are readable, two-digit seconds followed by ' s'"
3 h 43 min 43 s
